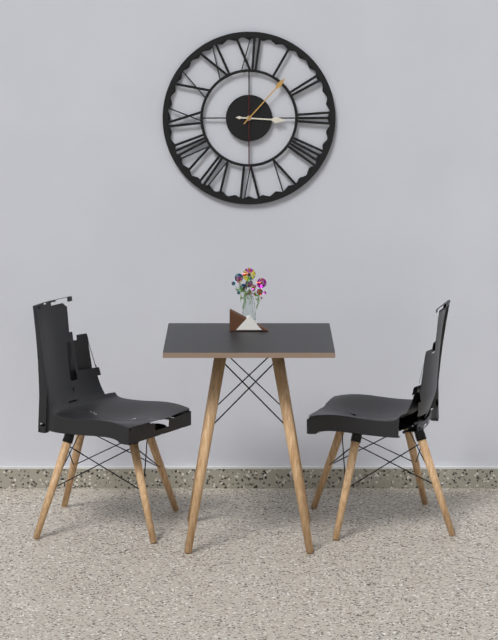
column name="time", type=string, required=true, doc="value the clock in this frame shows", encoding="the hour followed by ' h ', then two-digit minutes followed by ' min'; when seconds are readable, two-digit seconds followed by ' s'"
3 h 07 min 30 s
